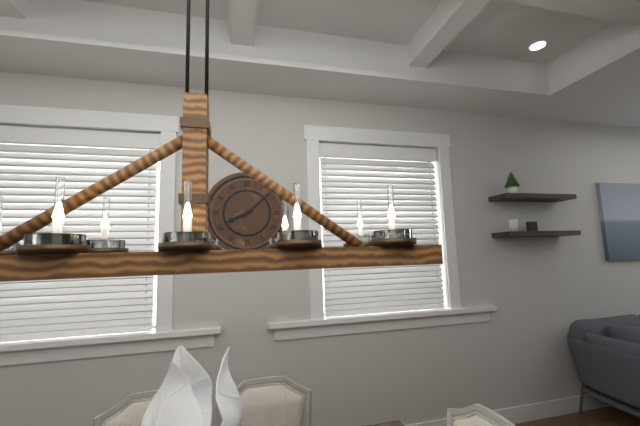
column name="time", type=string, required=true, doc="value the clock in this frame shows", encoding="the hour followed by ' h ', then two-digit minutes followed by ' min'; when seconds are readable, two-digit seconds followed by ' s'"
8 h 08 min
